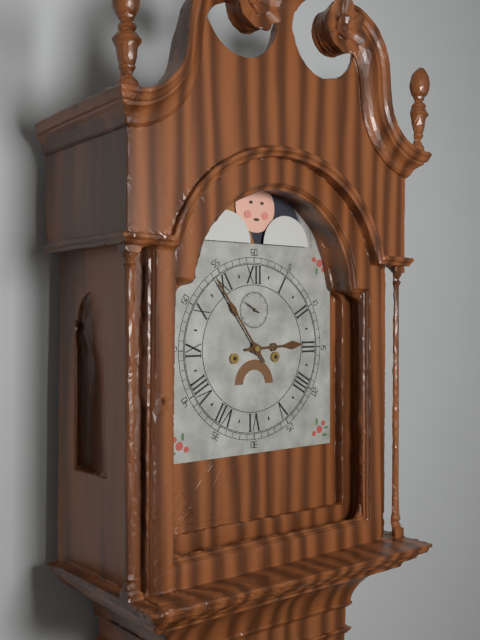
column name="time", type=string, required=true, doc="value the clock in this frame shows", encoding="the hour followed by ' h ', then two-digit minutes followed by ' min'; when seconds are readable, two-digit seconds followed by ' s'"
2 h 54 min
